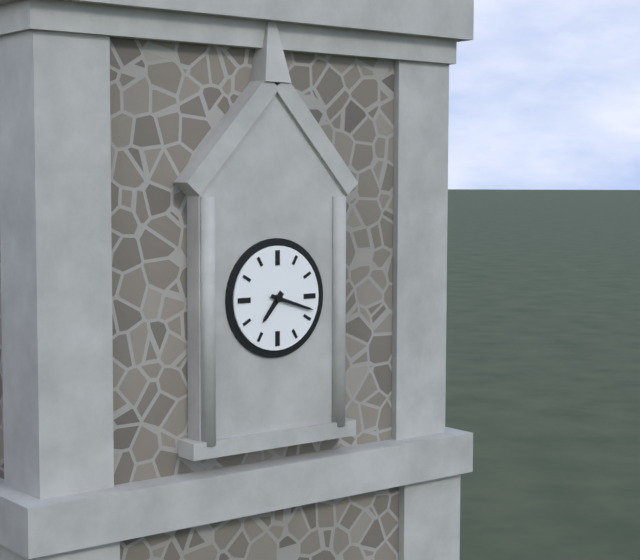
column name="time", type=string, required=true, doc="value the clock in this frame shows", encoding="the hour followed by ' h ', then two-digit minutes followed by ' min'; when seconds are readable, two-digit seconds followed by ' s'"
7 h 18 min
